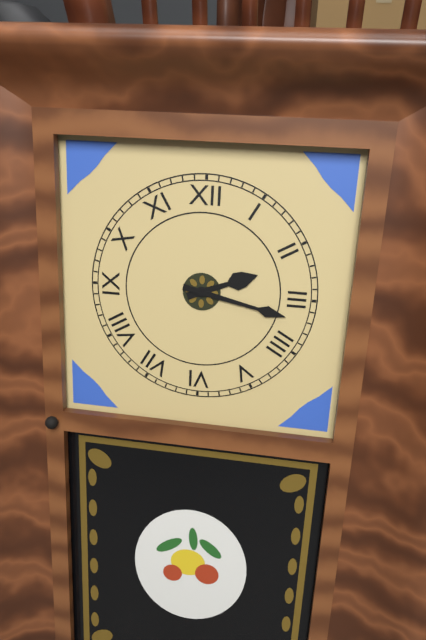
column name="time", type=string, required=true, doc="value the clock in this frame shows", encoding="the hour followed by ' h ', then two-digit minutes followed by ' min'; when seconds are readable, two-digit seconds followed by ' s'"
2 h 17 min
